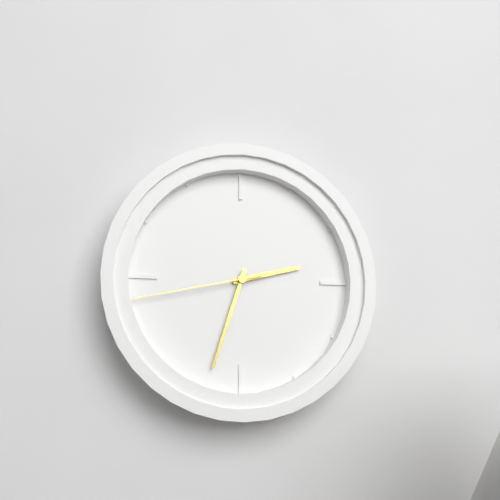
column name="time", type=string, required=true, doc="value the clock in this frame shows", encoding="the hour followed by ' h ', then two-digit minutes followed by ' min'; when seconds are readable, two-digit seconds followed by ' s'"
2 h 33 min 43 s
